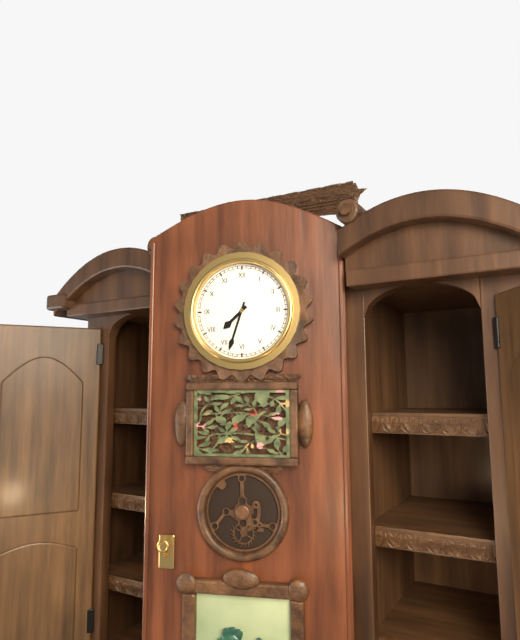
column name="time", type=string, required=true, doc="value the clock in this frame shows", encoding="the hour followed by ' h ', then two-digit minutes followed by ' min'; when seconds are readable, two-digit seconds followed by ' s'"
7 h 33 min
